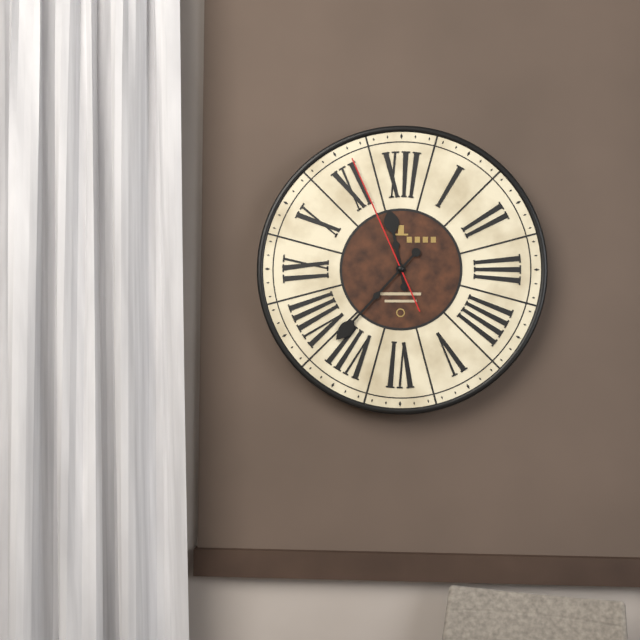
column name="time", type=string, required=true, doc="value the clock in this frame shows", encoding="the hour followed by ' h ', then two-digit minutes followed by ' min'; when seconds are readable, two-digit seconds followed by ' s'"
11 h 37 min 56 s
